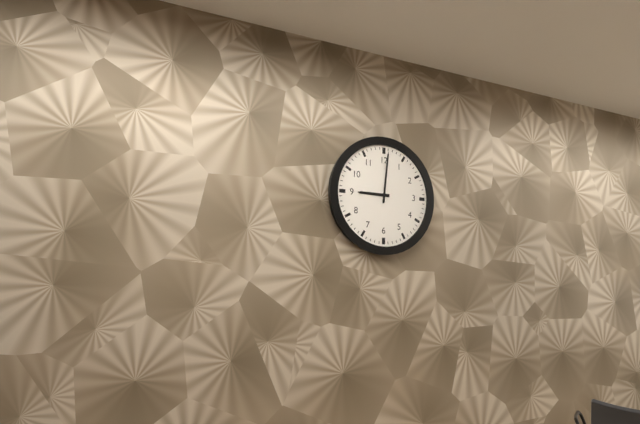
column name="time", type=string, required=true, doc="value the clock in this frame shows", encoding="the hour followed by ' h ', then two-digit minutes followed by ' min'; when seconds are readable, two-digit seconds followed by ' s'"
9 h 01 min
